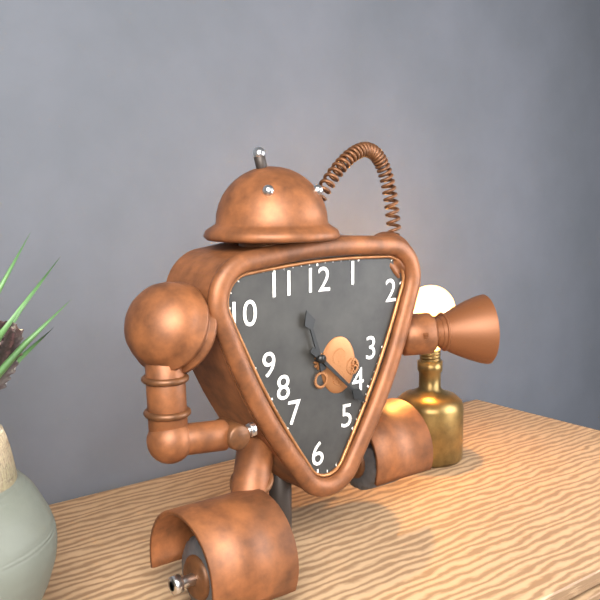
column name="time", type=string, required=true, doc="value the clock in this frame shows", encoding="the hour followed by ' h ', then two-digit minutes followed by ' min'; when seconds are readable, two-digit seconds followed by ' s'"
11 h 22 min
